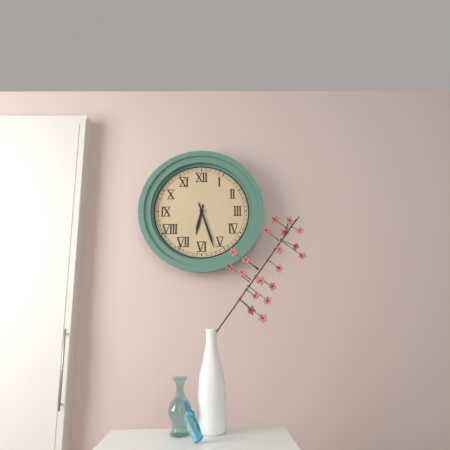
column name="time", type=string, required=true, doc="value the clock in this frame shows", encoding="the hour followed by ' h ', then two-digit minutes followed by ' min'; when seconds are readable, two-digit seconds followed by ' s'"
6 h 27 min
